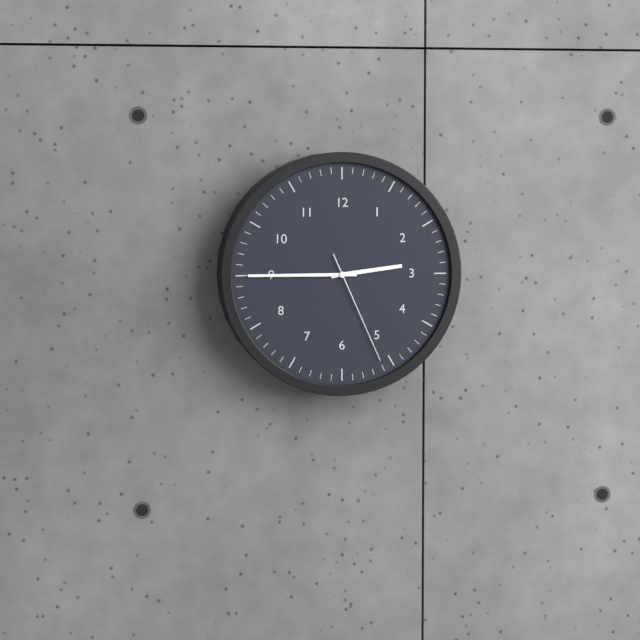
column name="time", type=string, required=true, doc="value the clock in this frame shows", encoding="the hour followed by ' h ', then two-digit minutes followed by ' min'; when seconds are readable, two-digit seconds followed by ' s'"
2 h 45 min 26 s
